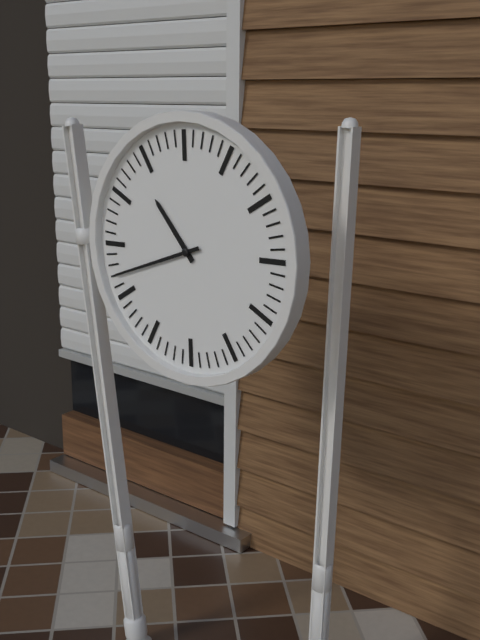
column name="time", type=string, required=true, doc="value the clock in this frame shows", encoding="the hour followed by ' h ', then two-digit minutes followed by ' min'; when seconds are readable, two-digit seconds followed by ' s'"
10 h 42 min
